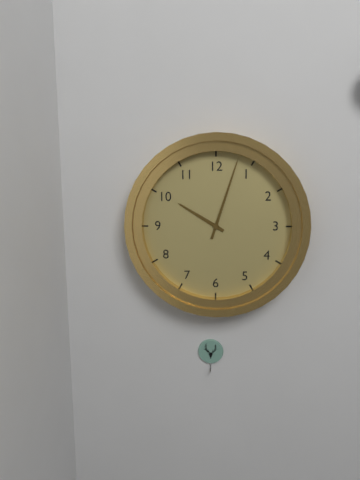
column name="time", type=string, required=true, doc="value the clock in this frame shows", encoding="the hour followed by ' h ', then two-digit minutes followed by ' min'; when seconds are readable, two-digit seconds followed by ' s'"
10 h 03 min
